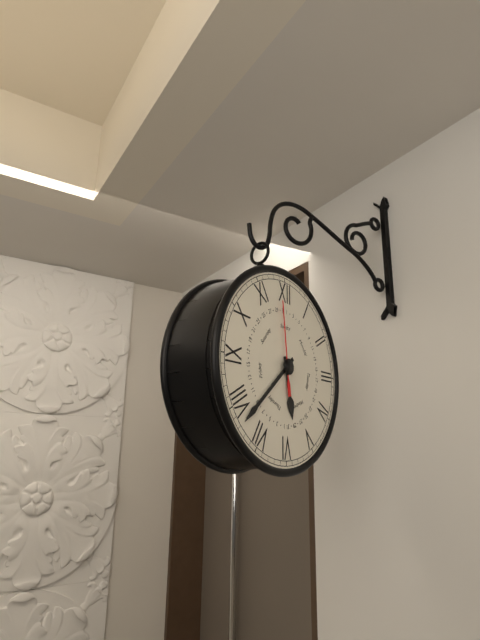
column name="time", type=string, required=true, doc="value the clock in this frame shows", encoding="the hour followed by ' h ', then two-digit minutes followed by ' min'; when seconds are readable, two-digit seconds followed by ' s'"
5 h 38 min 59 s
